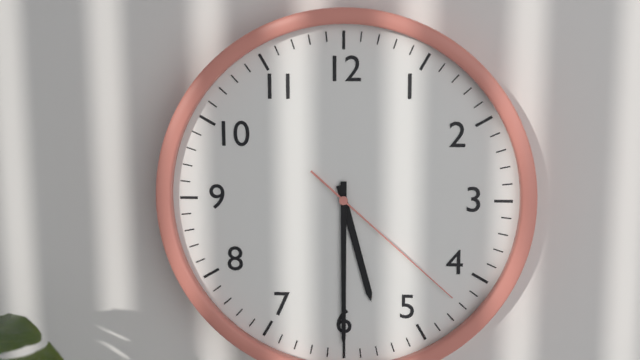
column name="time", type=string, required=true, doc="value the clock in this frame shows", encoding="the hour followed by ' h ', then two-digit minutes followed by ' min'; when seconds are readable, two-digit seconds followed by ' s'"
5 h 30 min 22 s
